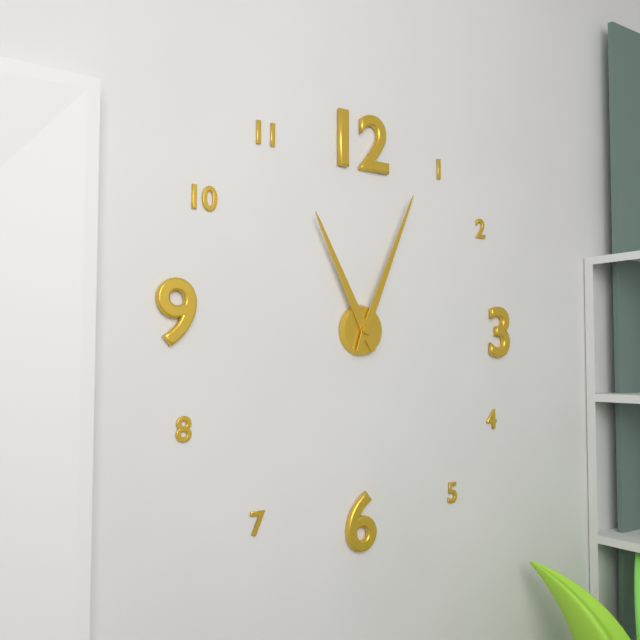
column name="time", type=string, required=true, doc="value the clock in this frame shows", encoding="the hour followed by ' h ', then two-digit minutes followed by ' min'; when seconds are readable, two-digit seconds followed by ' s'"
11 h 04 min
